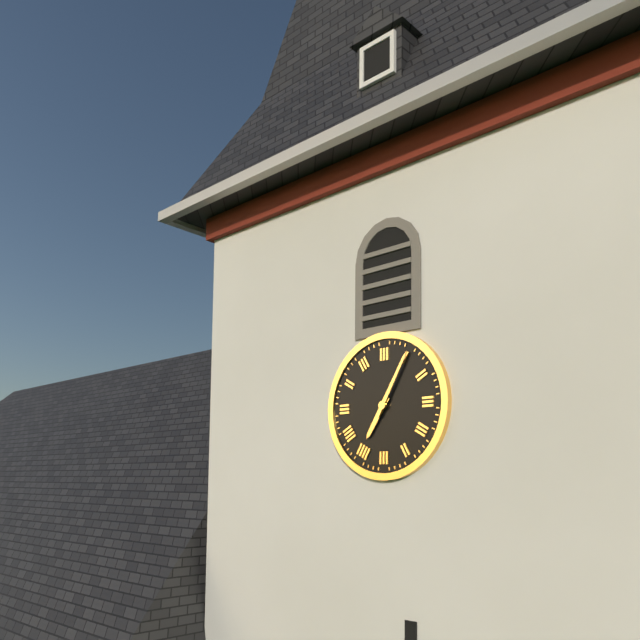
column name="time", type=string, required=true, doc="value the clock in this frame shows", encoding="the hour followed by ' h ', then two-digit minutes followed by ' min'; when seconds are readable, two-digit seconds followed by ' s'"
7 h 05 min
